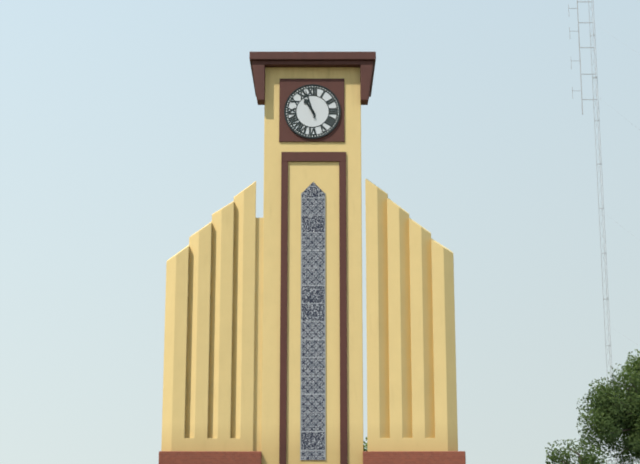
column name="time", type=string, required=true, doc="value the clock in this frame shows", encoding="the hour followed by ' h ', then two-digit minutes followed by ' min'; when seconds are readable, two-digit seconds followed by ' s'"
10 h 57 min
